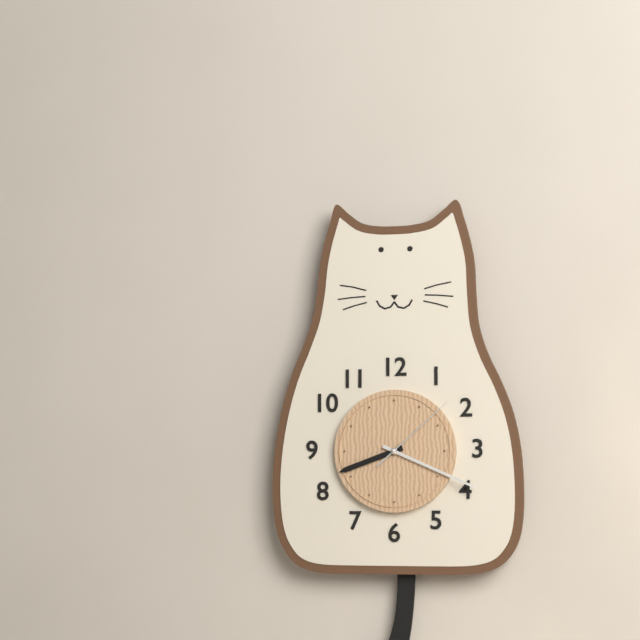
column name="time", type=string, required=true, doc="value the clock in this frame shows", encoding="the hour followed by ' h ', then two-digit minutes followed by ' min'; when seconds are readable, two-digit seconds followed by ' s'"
8 h 19 min 08 s
